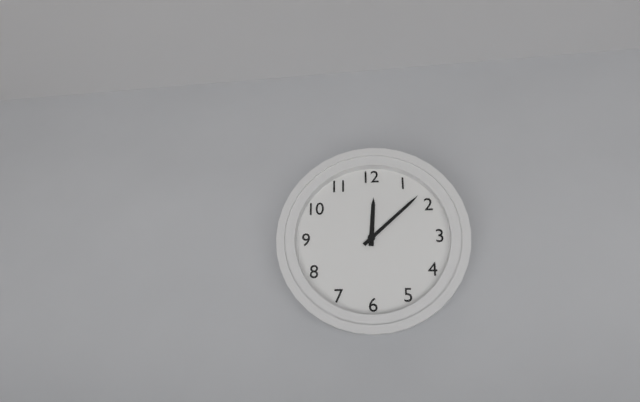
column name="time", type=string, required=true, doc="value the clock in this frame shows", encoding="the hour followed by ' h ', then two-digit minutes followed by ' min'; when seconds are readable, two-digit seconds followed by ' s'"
12 h 08 min
